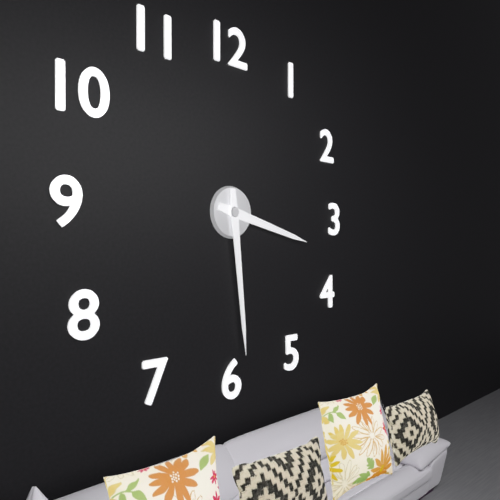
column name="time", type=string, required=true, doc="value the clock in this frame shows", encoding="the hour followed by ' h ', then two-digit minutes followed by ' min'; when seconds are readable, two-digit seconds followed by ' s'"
3 h 29 min
